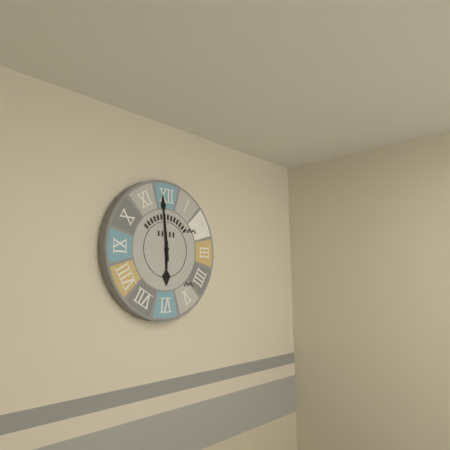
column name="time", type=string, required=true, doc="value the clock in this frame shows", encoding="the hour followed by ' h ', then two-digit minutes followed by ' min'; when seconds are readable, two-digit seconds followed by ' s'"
5 h 59 min
